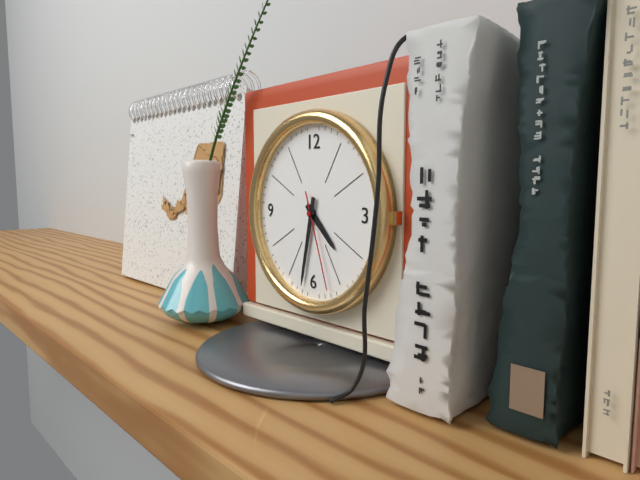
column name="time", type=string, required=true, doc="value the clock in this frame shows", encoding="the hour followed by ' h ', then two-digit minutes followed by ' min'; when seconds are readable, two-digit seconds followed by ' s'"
4 h 32 min 27 s
